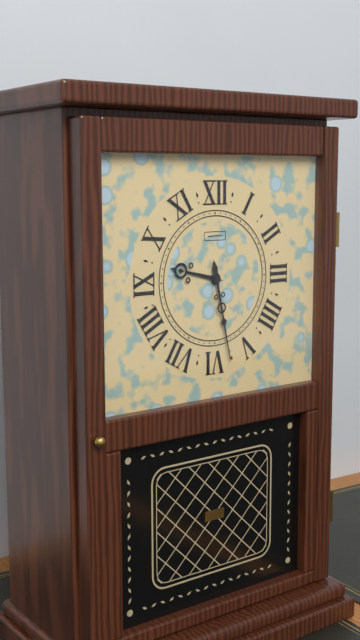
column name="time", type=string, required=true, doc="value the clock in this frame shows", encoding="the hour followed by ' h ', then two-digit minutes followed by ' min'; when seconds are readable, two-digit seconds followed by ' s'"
9 h 28 min
